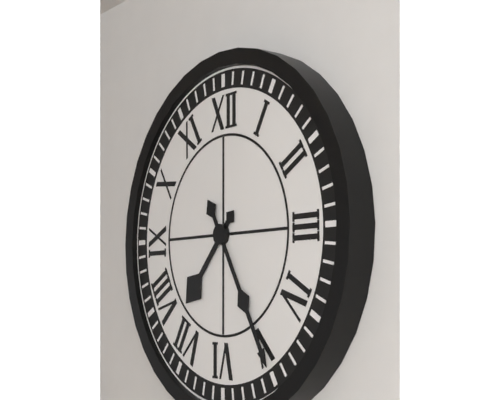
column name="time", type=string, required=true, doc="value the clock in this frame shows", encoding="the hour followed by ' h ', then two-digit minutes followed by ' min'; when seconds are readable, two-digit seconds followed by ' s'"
7 h 25 min
